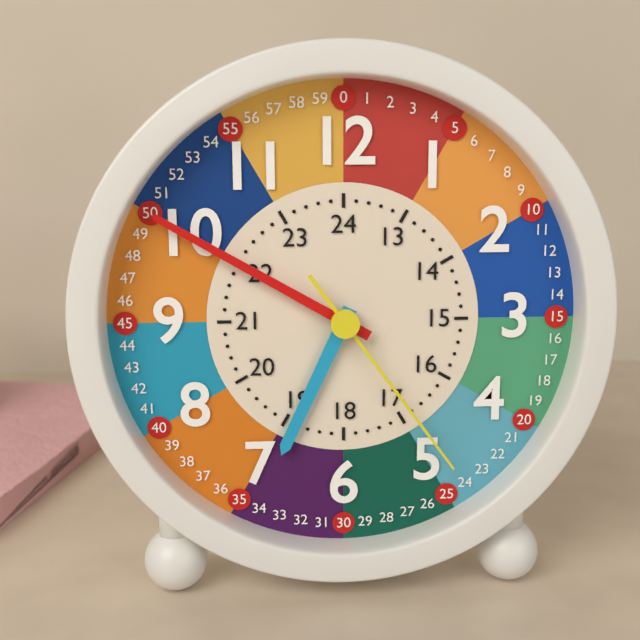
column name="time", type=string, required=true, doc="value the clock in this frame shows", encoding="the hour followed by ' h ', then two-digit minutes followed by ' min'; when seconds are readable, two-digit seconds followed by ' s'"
6 h 50 min 24 s
